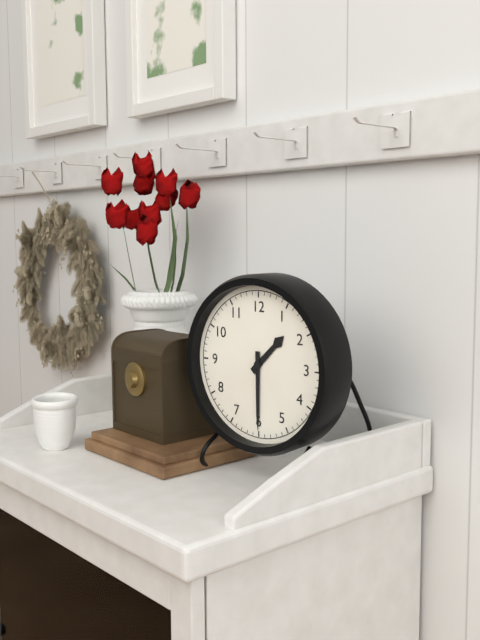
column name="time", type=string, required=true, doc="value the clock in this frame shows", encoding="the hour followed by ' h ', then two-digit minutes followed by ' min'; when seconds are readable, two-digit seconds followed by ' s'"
1 h 30 min
